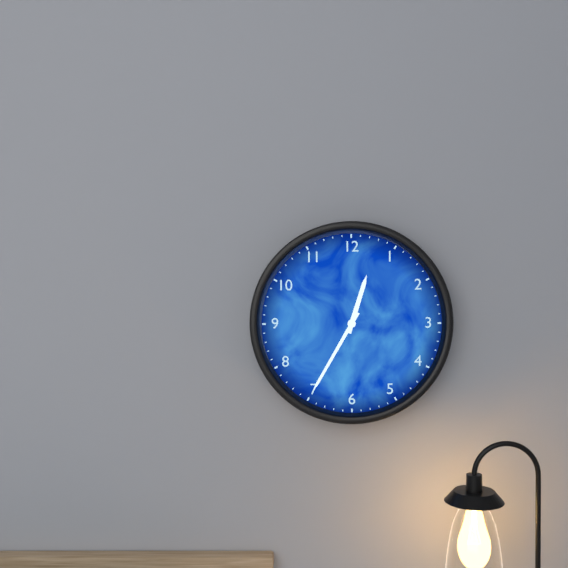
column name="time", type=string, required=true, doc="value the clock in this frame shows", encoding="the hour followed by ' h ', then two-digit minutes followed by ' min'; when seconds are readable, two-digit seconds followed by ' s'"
12 h 35 min
